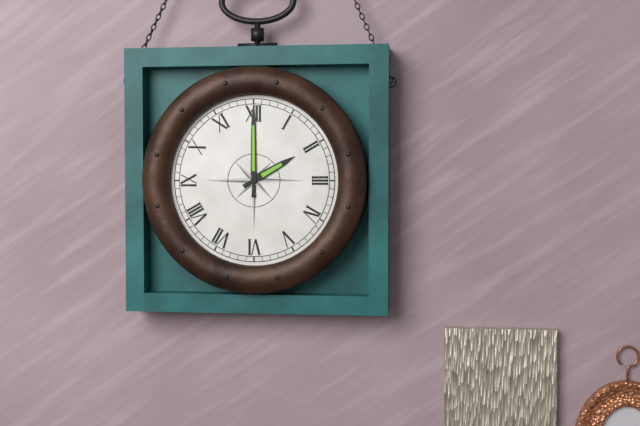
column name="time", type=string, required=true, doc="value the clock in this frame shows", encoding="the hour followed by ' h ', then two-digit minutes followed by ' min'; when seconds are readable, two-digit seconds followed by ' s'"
2 h 00 min
